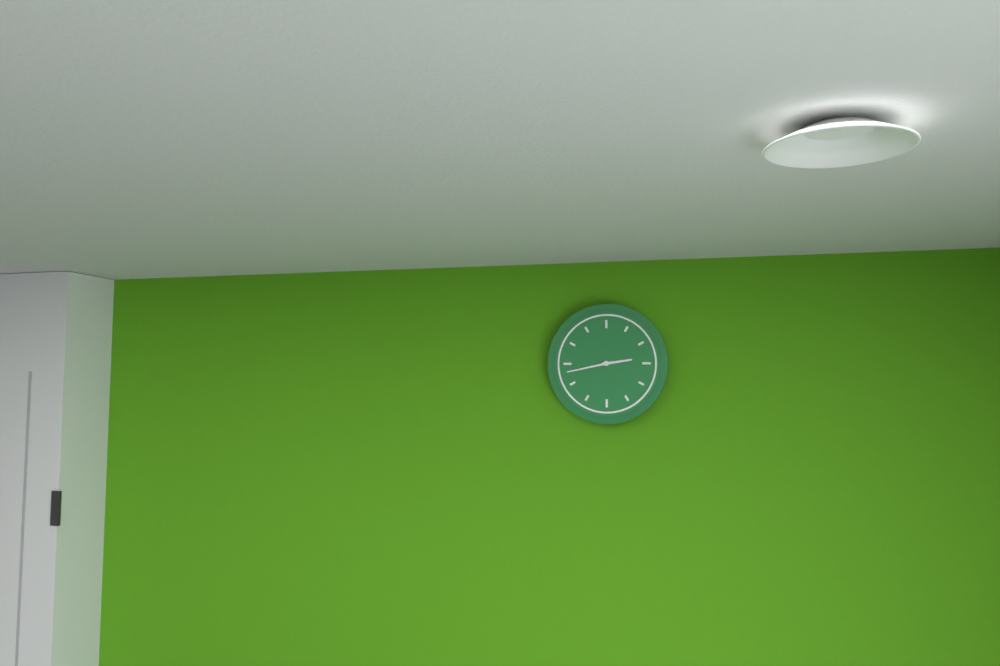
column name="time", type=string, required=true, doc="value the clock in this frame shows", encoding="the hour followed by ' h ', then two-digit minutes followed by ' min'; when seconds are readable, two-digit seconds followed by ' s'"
2 h 43 min
